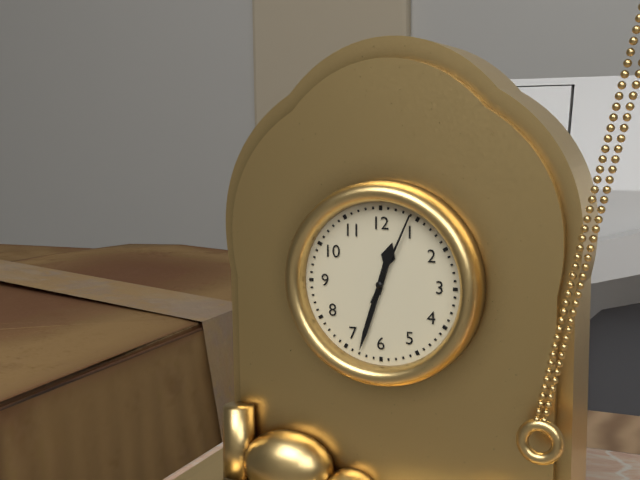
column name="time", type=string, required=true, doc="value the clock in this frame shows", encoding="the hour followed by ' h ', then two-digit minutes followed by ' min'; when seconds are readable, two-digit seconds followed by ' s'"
12 h 33 min 04 s
